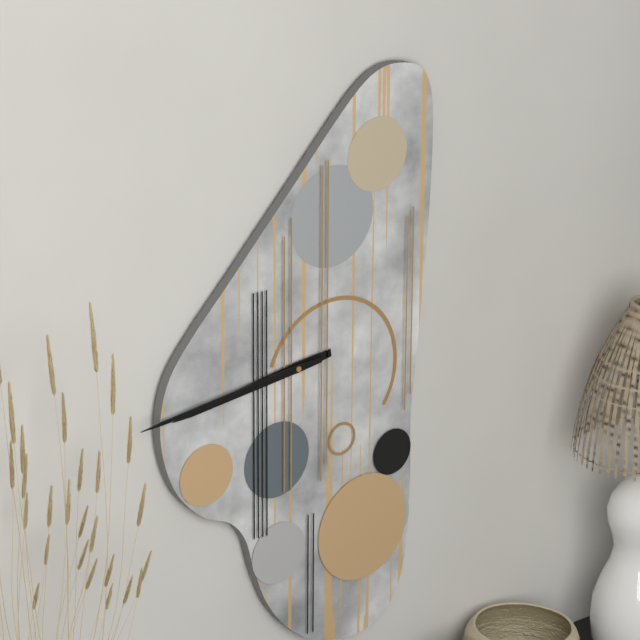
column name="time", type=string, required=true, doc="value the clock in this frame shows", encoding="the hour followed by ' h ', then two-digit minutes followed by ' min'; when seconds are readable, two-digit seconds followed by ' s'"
8 h 44 min
